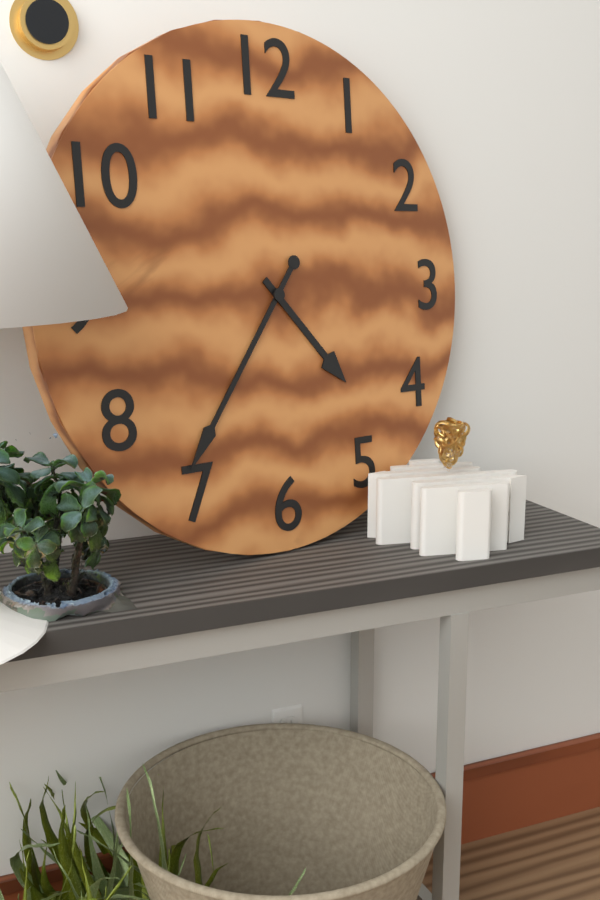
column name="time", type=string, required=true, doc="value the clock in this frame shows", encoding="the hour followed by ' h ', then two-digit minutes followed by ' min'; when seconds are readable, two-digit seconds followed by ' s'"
4 h 36 min
